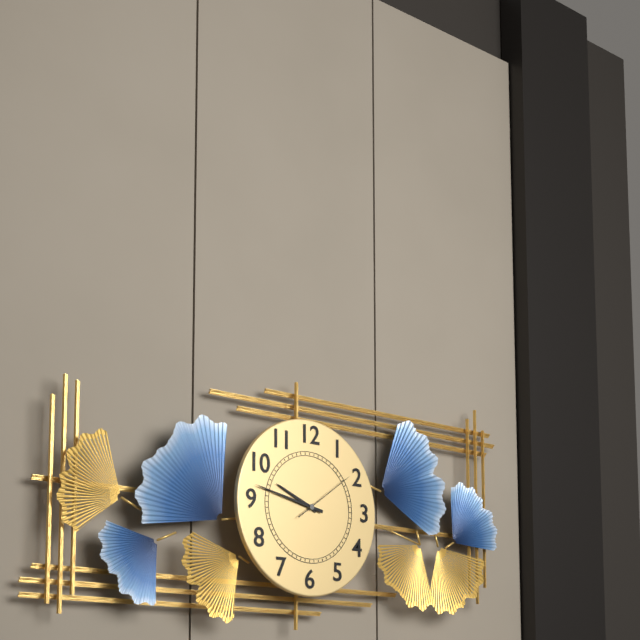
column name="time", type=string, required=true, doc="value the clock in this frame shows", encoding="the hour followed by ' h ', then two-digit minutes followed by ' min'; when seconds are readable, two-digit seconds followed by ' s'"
9 h 47 min 09 s
